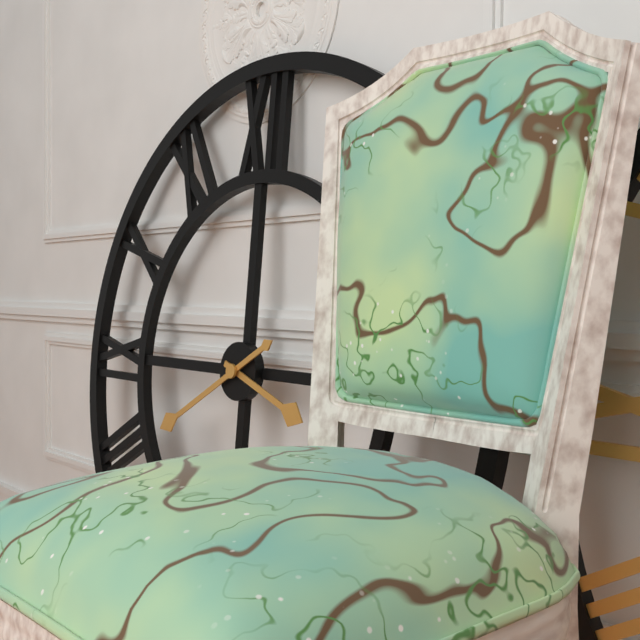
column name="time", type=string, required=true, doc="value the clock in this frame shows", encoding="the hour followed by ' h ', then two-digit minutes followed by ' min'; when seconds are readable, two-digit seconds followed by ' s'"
3 h 40 min
